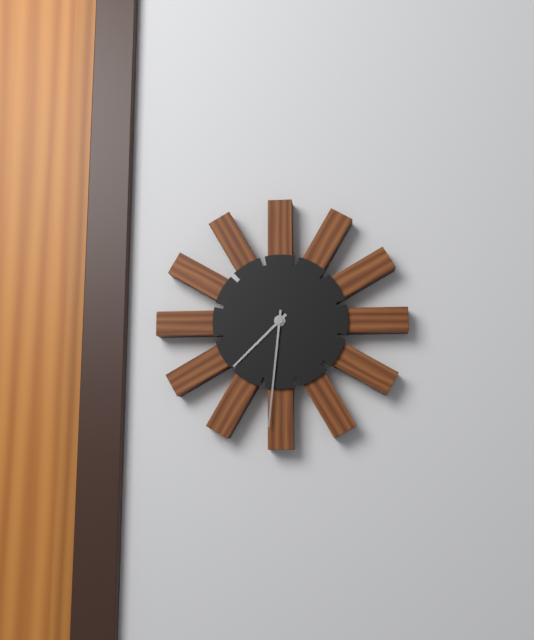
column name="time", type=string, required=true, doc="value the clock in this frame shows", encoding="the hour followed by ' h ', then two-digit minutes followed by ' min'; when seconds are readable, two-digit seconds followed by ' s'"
7 h 31 min
